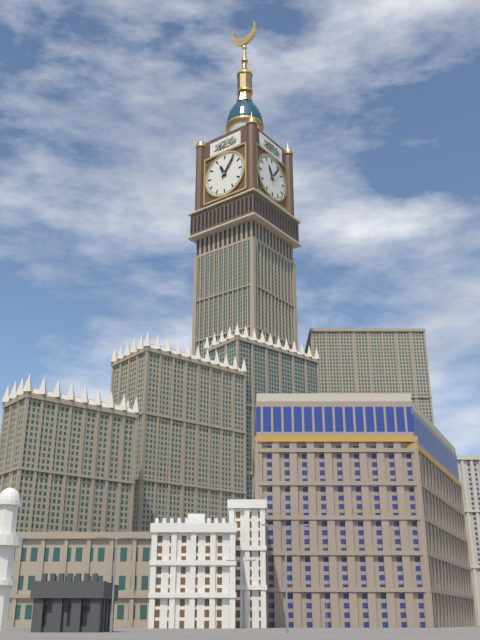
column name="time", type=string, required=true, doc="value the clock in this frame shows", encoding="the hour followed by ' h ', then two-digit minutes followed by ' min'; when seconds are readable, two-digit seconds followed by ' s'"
11 h 06 min
